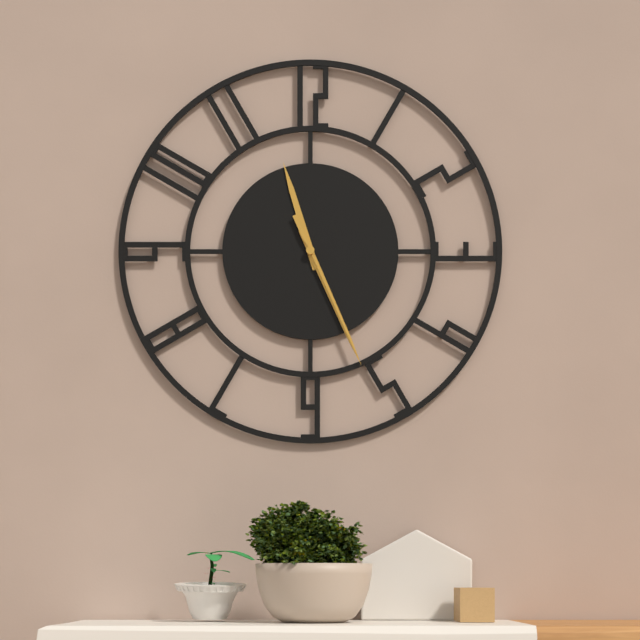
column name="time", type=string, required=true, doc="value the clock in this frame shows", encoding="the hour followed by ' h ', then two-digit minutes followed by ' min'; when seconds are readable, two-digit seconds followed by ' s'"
11 h 26 min 26 s
